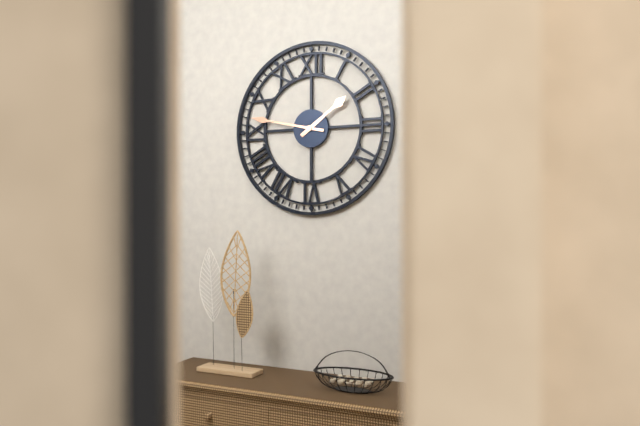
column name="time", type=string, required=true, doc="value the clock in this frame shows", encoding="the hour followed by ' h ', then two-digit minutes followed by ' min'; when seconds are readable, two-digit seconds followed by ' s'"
1 h 47 min
